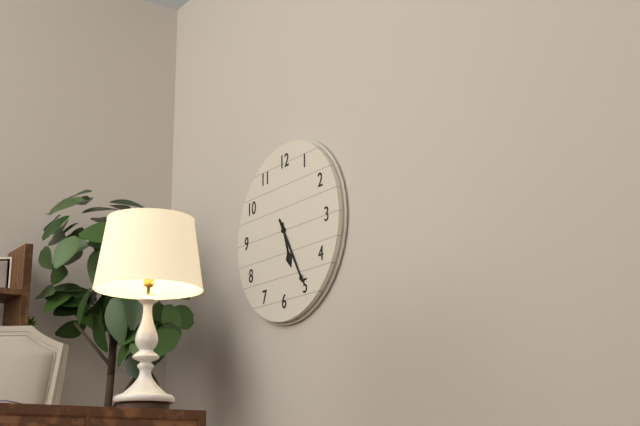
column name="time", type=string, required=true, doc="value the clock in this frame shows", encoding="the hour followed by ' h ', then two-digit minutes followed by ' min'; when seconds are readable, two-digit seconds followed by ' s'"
5 h 25 min
